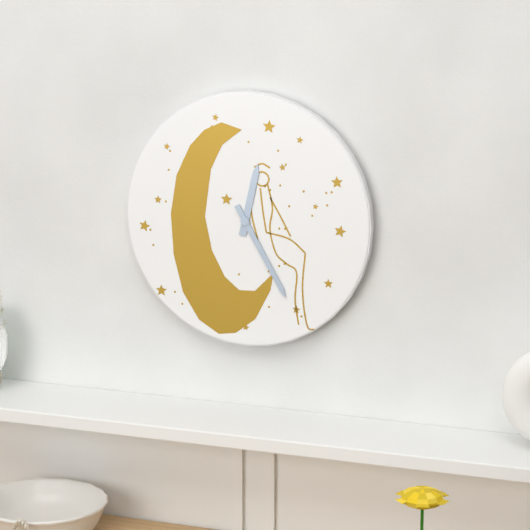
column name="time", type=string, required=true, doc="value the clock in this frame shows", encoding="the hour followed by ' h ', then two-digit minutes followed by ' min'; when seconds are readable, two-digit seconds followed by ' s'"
12 h 25 min
